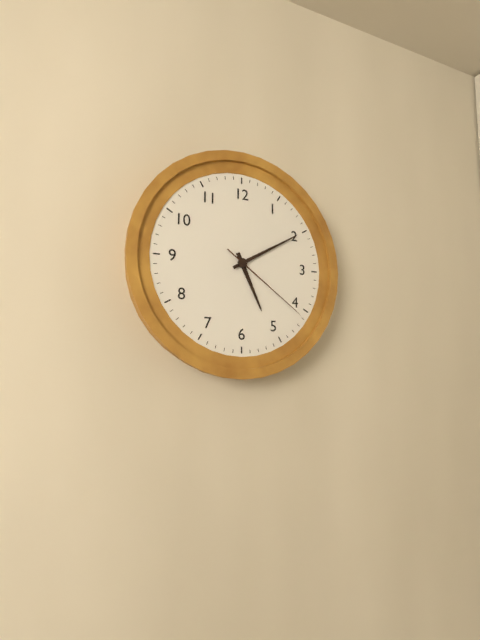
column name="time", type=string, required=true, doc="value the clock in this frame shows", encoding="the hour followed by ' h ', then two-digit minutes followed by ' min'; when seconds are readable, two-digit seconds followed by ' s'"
5 h 10 min 21 s
